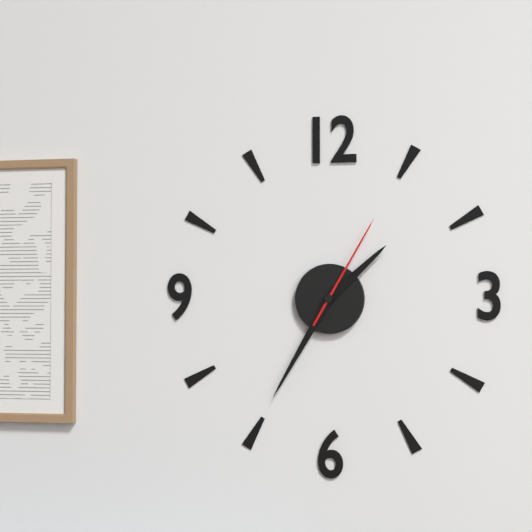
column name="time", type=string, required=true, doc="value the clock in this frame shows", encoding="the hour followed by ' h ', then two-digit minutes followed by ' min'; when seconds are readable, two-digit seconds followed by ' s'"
1 h 35 min 05 s
